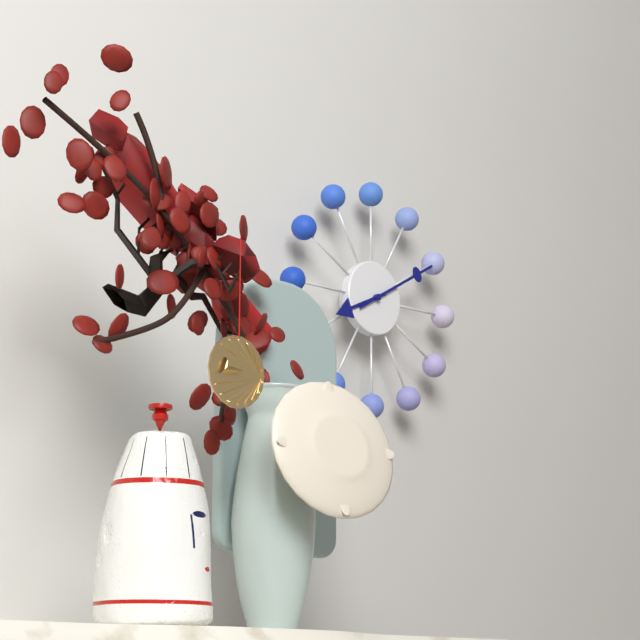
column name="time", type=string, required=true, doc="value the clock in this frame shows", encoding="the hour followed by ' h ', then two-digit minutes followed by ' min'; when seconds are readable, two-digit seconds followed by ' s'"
8 h 10 min
